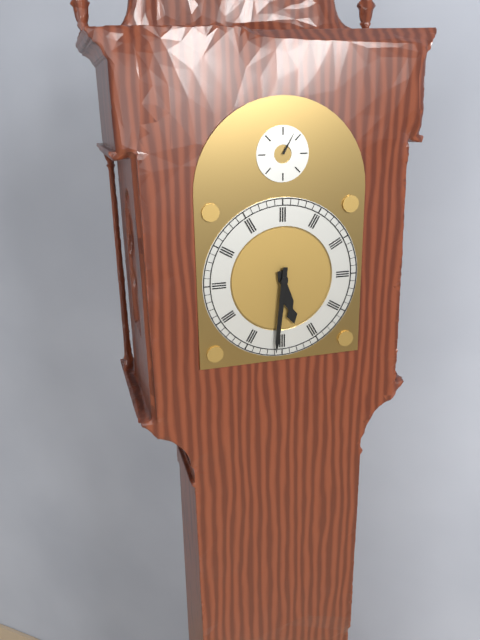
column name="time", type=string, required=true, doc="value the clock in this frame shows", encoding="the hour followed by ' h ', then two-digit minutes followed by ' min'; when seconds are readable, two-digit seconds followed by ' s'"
5 h 31 min
